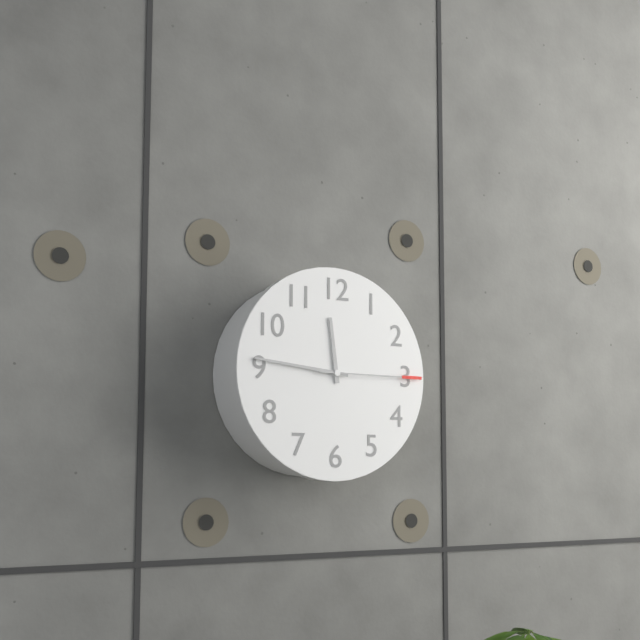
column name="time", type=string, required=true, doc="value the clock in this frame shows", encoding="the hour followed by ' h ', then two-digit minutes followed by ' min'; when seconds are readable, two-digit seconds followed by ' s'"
11 h 46 min 15 s
